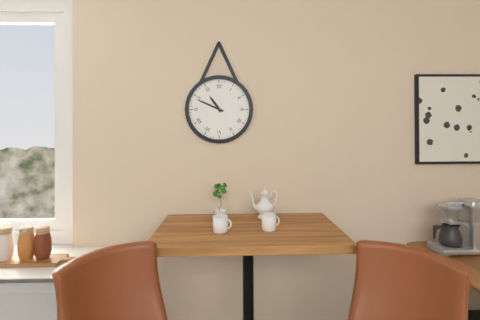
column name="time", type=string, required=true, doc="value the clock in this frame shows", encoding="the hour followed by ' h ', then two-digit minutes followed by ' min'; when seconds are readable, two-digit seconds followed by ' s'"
10 h 49 min
